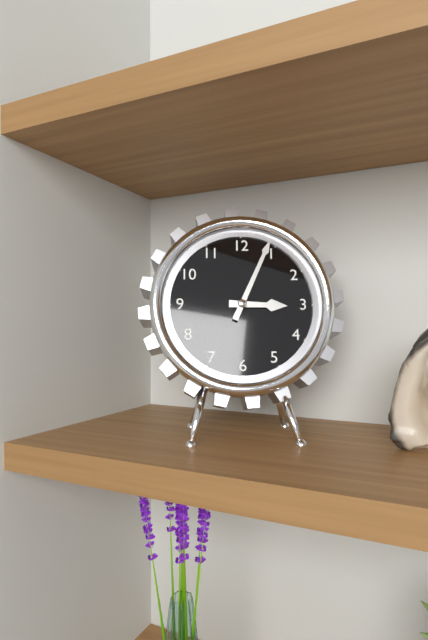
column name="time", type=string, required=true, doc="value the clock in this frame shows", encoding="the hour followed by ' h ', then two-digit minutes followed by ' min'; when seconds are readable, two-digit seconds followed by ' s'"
3 h 04 min
